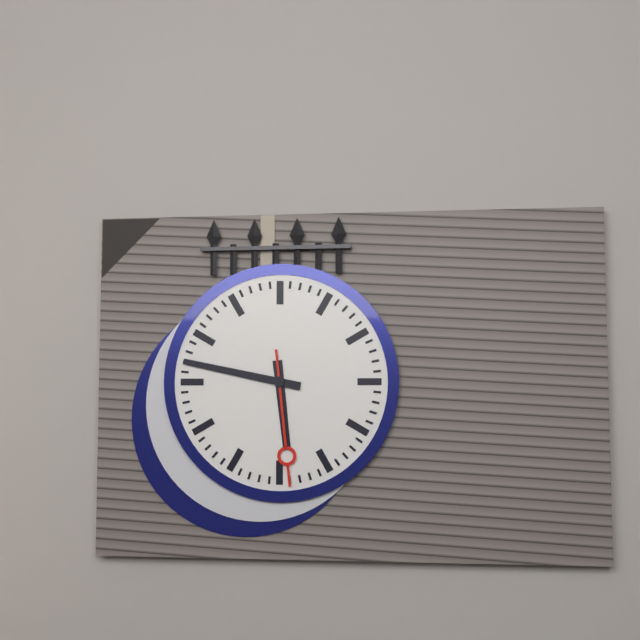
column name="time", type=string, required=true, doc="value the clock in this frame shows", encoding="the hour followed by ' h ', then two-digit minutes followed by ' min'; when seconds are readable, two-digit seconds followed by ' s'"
5 h 47 min 29 s
